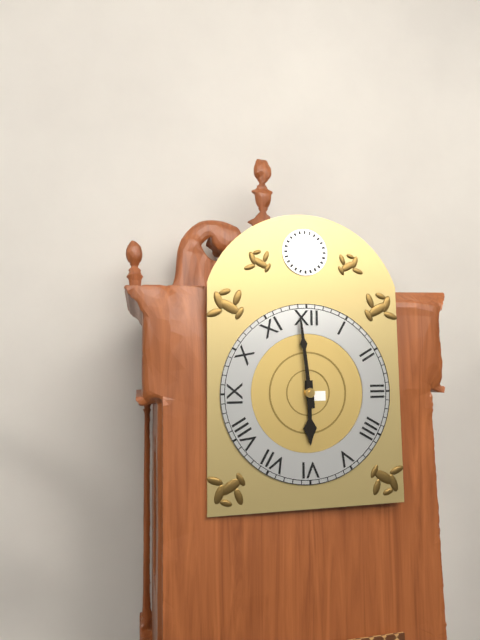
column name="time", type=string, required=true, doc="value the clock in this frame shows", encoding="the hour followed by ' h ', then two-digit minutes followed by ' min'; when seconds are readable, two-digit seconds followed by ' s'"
5 h 59 min
